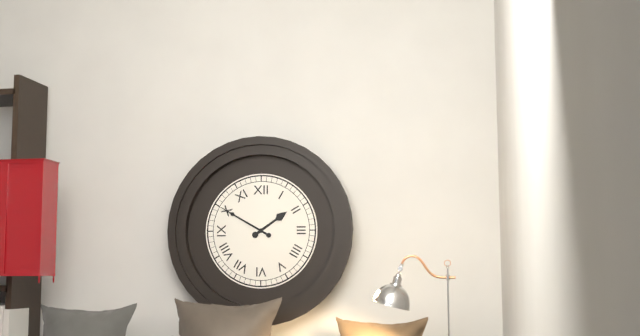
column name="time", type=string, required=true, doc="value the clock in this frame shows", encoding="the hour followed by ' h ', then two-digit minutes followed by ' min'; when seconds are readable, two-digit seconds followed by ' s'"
1 h 50 min
